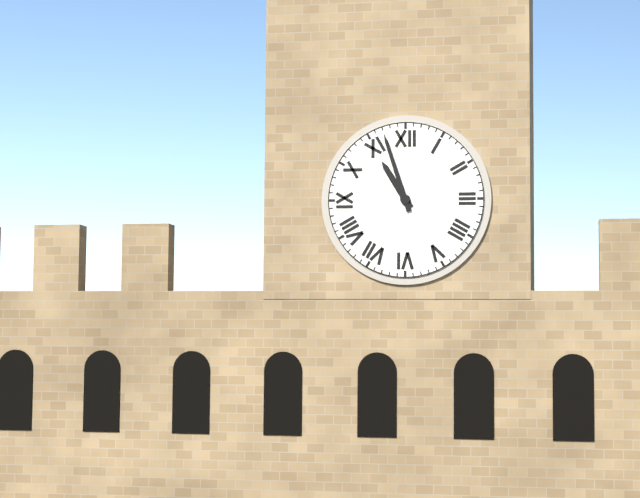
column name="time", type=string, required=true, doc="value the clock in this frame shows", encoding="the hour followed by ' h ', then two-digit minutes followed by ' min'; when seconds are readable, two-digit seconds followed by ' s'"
10 h 57 min
